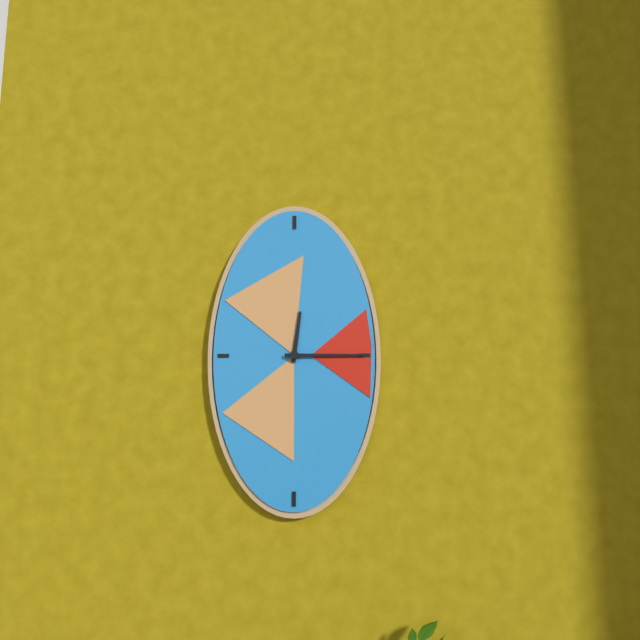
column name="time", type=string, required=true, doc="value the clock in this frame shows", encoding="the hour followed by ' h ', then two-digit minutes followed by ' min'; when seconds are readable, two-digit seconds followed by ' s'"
12 h 15 min
